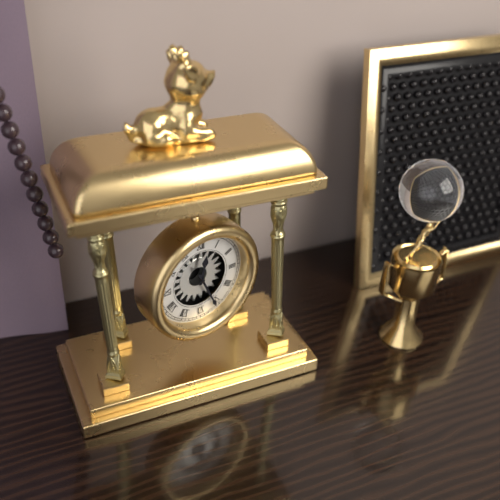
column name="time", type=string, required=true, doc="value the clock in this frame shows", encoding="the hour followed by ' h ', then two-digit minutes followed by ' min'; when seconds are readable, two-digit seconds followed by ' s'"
12 h 26 min
